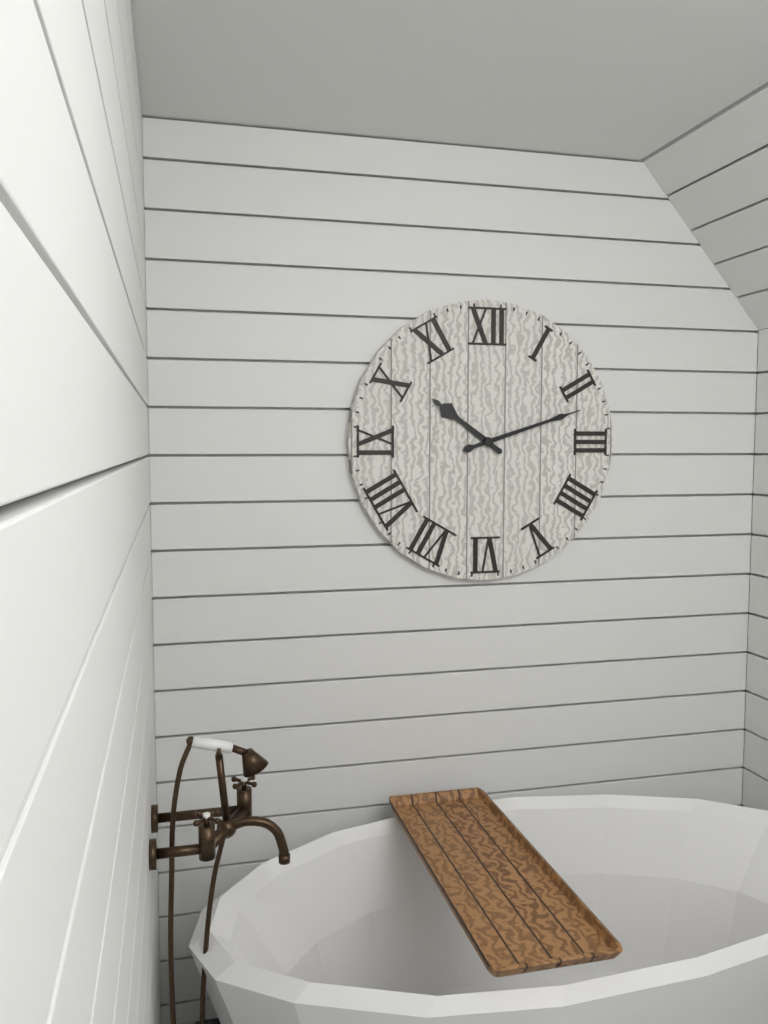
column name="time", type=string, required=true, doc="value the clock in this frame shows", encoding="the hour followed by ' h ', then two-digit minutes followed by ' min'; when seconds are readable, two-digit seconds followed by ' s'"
10 h 12 min
